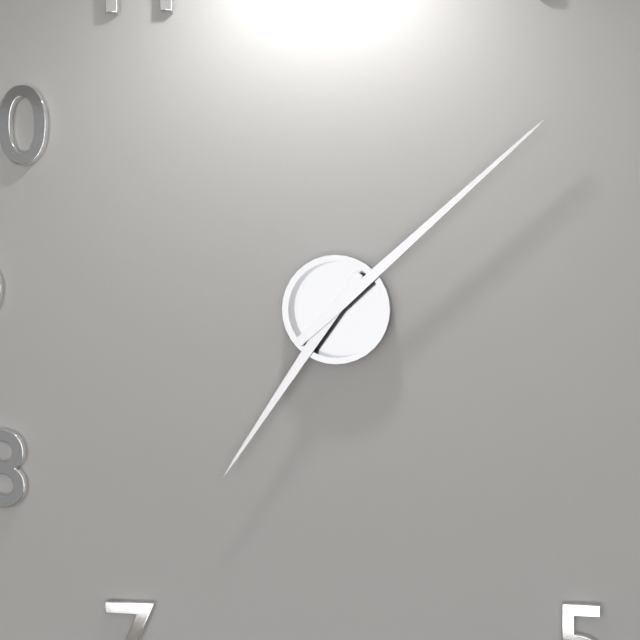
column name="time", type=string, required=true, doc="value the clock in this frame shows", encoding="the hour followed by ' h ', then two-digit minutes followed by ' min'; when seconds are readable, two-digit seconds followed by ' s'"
7 h 08 min
